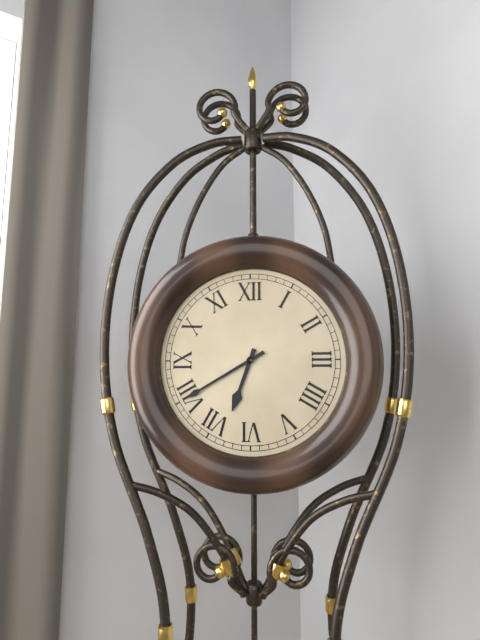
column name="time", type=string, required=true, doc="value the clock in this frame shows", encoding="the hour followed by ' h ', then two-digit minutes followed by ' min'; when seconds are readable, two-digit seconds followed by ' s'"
6 h 40 min
